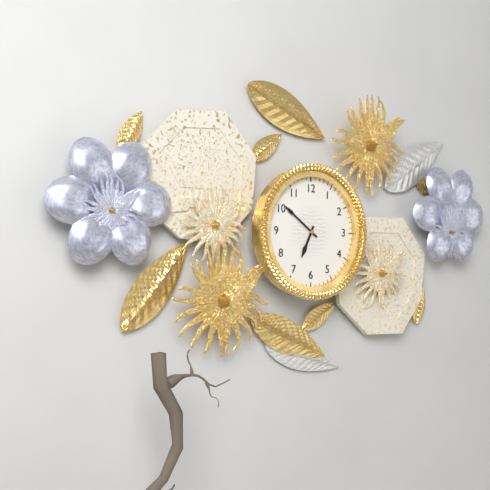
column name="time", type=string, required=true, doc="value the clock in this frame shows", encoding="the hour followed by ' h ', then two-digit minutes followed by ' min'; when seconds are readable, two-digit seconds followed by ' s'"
6 h 51 min
